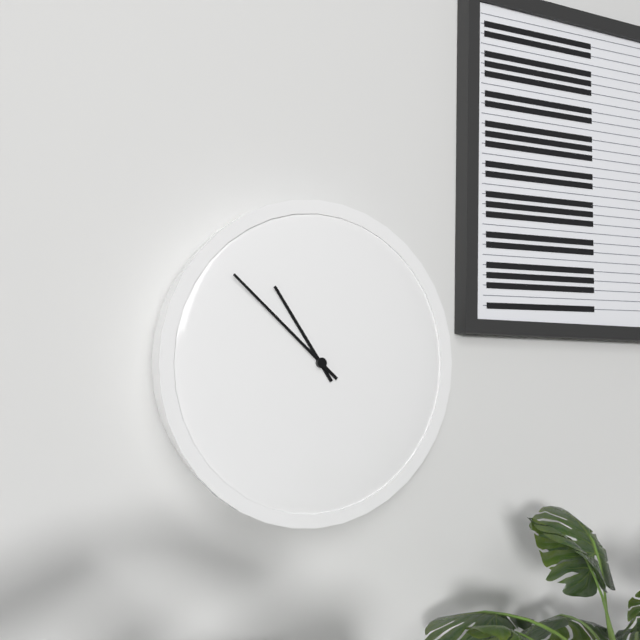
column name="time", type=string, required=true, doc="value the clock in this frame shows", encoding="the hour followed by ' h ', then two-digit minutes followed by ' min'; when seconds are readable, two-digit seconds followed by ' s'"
10 h 52 min
